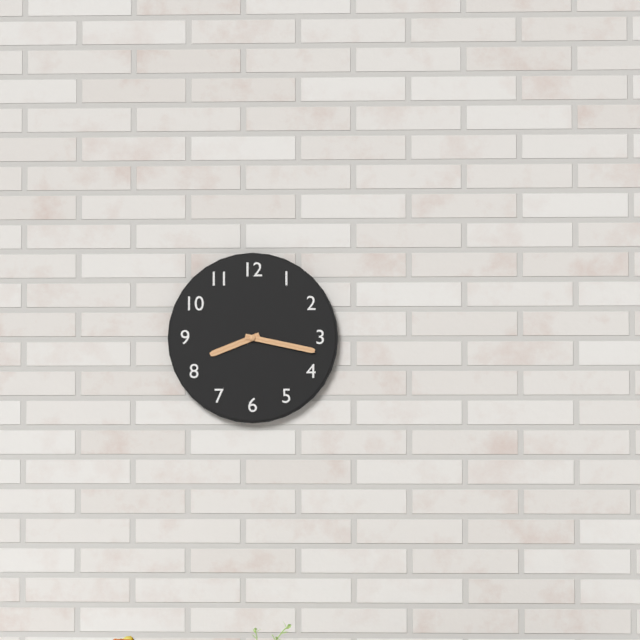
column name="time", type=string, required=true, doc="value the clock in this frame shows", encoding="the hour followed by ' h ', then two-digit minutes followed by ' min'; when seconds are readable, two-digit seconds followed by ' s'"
8 h 17 min
